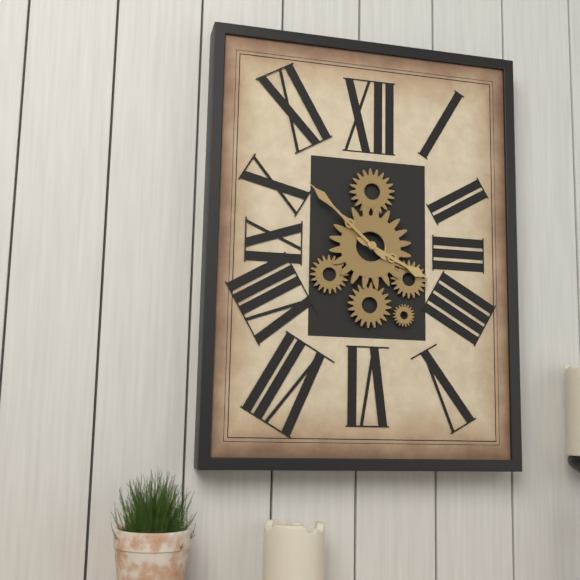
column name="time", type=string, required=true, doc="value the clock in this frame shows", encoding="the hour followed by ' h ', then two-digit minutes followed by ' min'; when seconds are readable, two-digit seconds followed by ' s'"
3 h 52 min
